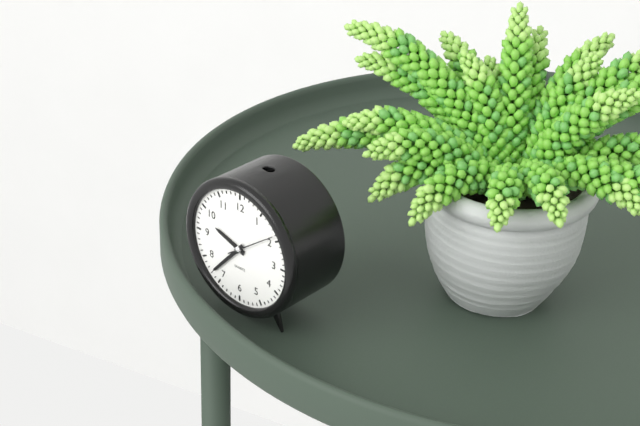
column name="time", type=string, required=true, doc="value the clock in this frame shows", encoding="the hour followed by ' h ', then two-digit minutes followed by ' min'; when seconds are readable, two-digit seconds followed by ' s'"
9 h 37 min
